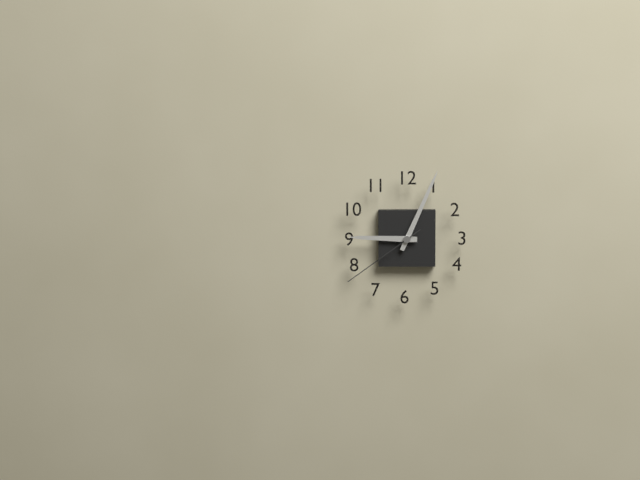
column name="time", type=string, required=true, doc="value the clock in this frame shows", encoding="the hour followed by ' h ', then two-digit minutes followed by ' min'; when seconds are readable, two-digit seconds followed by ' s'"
9 h 04 min 39 s
